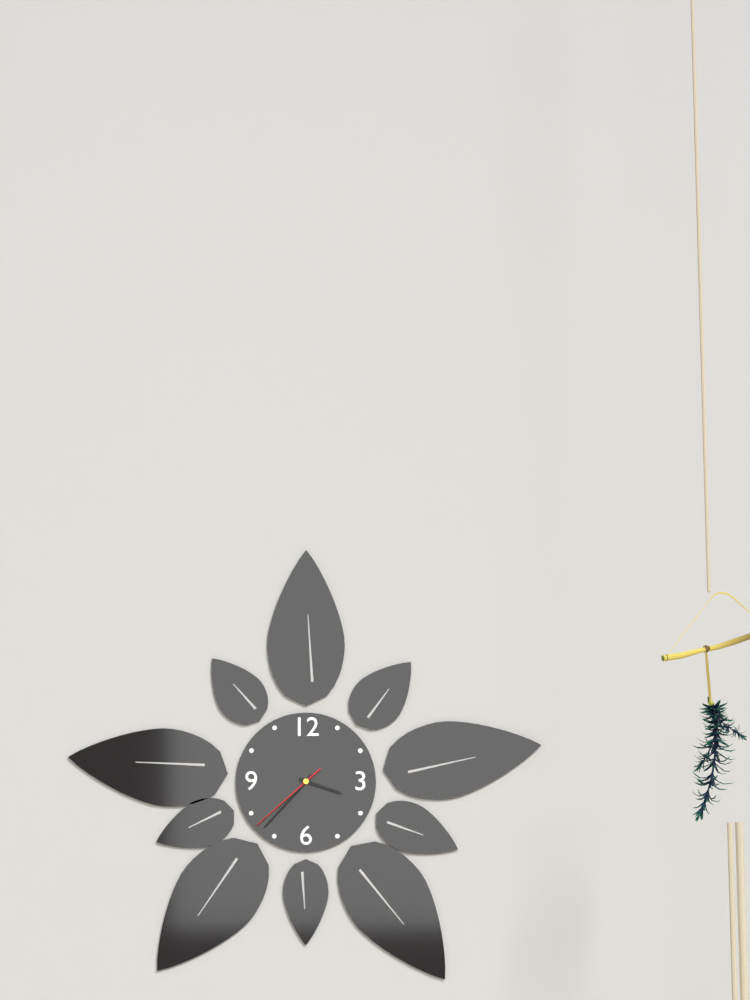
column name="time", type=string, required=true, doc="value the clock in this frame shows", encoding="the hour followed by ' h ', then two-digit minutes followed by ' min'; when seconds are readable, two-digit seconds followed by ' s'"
3 h 37 min 38 s
